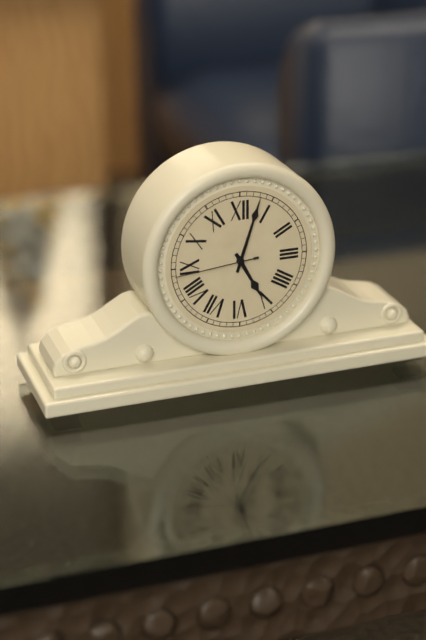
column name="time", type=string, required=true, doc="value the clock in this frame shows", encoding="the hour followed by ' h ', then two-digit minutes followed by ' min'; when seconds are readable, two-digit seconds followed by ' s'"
5 h 03 min 44 s
